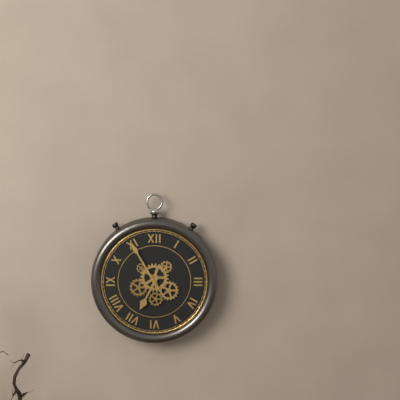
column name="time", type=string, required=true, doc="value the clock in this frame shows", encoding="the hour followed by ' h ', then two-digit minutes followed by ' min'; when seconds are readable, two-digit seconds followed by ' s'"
6 h 55 min
